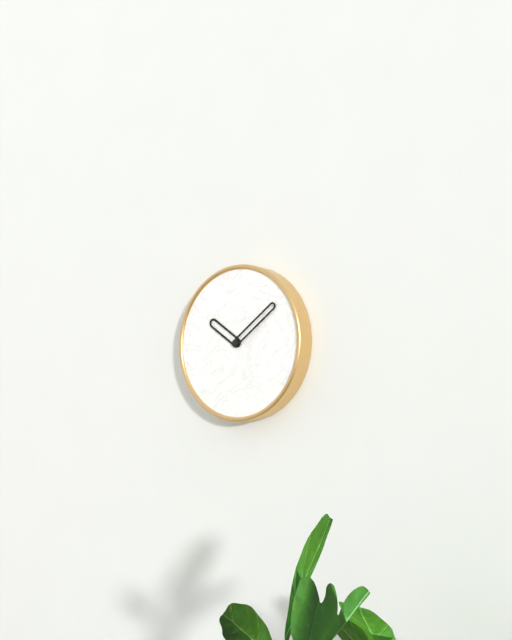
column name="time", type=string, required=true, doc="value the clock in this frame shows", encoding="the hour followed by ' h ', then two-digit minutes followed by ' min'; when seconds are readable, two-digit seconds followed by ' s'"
10 h 09 min
